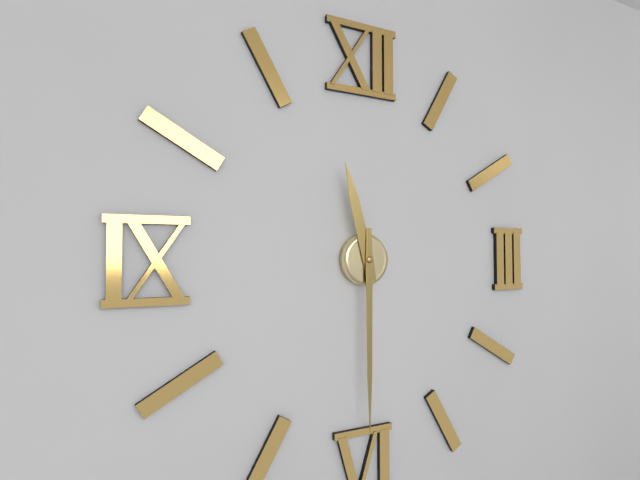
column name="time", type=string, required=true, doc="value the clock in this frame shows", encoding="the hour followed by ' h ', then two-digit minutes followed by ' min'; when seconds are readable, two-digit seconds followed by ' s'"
11 h 30 min
